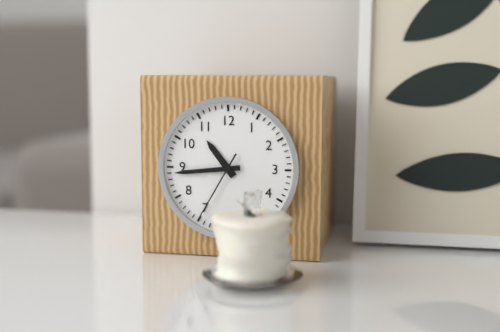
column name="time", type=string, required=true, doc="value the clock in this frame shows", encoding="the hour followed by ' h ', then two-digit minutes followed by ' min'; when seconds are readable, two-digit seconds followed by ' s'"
10 h 44 min 35 s
